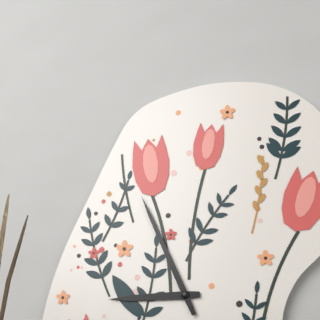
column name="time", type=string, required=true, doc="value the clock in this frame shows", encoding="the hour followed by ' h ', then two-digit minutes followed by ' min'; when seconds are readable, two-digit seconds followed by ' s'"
8 h 56 min
